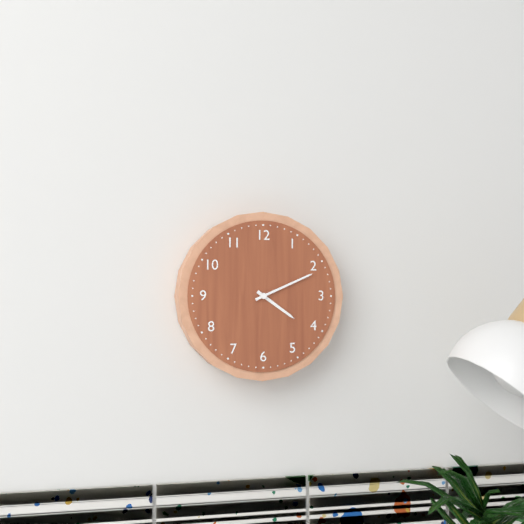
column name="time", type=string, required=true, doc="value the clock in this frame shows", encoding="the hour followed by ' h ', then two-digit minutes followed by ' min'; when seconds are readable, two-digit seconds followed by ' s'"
4 h 11 min
